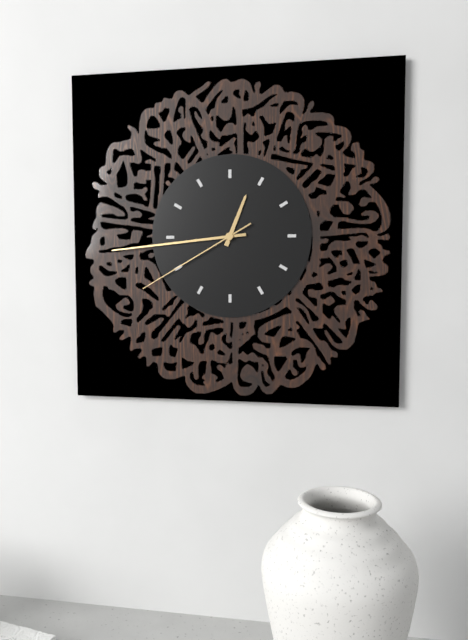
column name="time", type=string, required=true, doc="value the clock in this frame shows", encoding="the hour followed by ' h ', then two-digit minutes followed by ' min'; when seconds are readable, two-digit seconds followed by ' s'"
12 h 44 min 40 s
